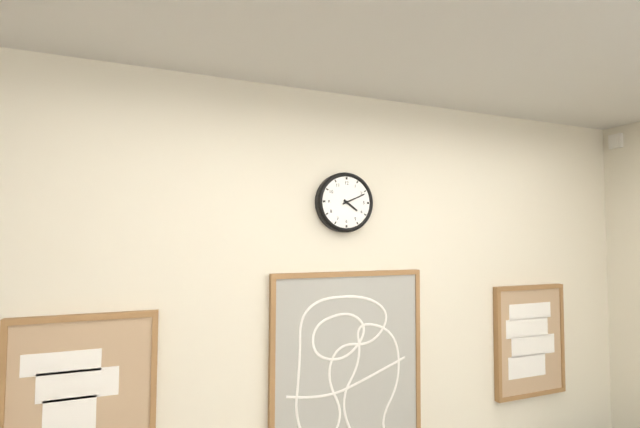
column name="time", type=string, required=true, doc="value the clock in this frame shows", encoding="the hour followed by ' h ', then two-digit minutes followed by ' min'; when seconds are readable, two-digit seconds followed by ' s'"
4 h 11 min
